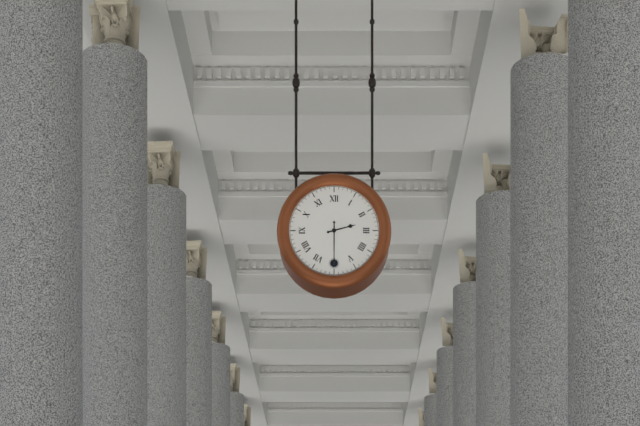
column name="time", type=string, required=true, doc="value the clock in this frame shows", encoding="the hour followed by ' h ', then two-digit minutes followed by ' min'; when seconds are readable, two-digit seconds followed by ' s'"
2 h 30 min
